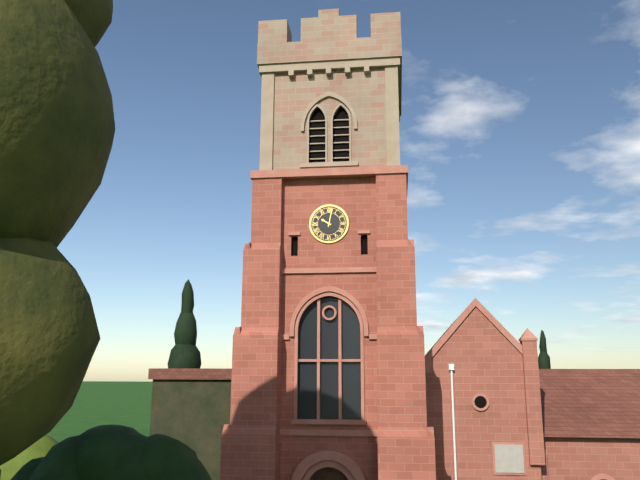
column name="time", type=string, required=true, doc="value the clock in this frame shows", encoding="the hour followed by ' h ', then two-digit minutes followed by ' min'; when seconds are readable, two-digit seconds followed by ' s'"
10 h 02 min
